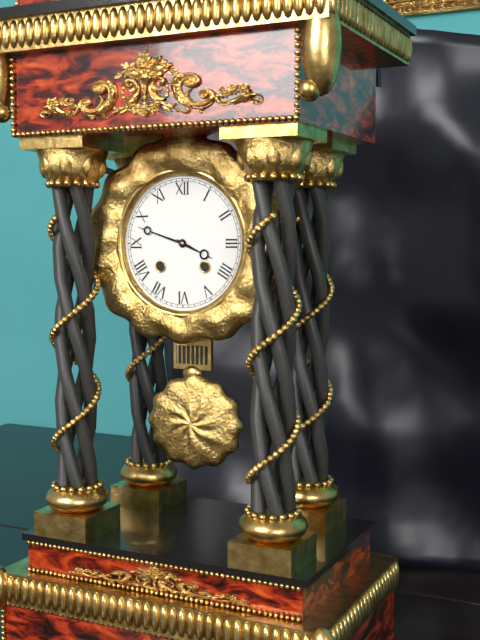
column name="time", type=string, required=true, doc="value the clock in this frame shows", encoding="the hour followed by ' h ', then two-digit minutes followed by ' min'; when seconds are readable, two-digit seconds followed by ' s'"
3 h 48 min
